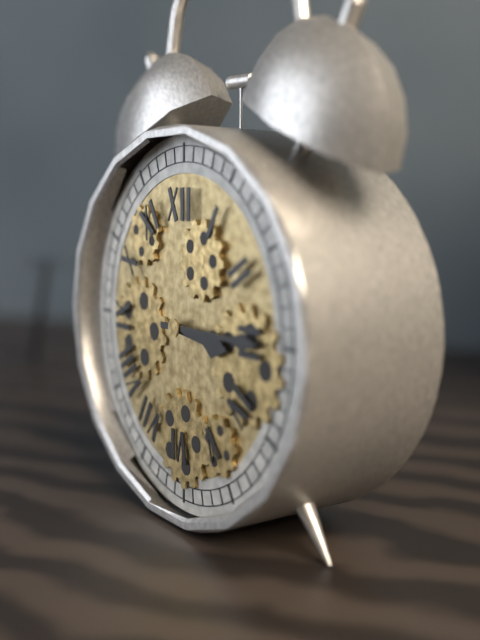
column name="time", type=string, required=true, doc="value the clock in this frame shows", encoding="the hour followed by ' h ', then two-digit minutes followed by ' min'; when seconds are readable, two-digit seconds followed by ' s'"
3 h 15 min
